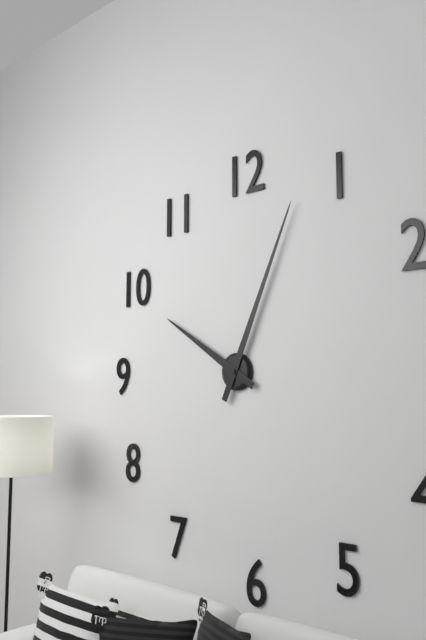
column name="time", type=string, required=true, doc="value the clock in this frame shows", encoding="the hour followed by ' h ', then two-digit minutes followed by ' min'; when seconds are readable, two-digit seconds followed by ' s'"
10 h 04 min
